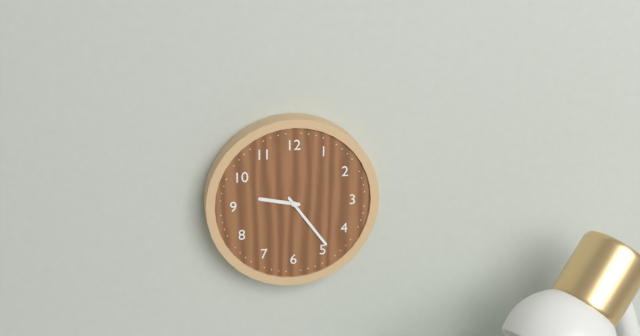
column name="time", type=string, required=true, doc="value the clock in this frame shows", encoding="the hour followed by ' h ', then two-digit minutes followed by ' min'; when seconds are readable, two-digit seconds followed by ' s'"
9 h 24 min
